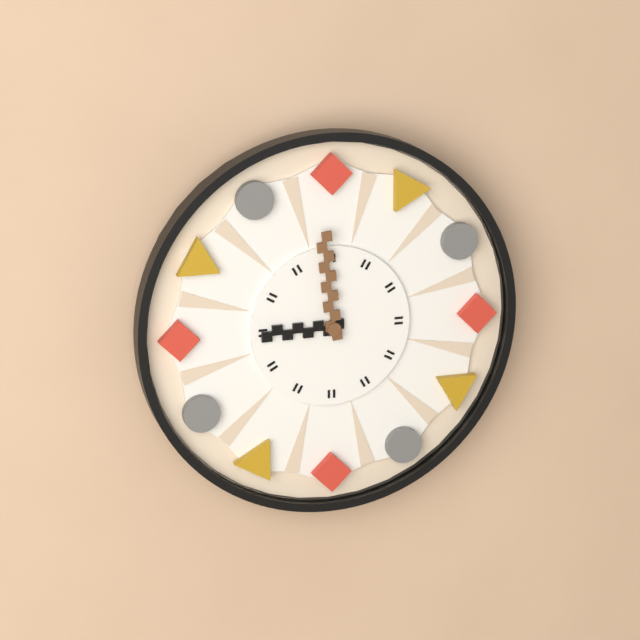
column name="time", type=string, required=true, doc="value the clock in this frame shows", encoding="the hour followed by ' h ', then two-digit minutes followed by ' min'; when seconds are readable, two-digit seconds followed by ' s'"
8 h 59 min
